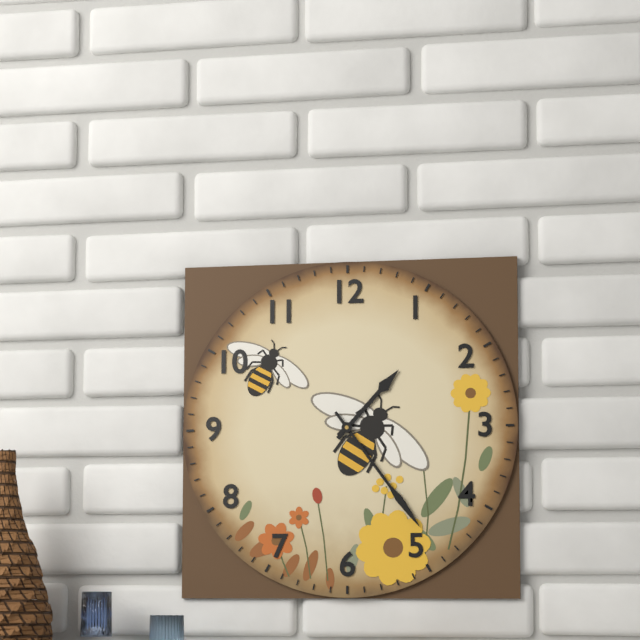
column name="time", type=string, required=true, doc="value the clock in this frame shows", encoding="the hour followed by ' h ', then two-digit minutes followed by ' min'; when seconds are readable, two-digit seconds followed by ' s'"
1 h 24 min
